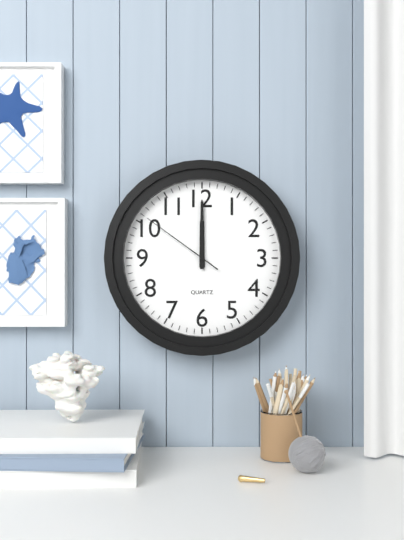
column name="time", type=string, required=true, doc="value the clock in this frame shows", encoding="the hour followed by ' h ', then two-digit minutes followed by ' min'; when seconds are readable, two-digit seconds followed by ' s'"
12 h 00 min 51 s
